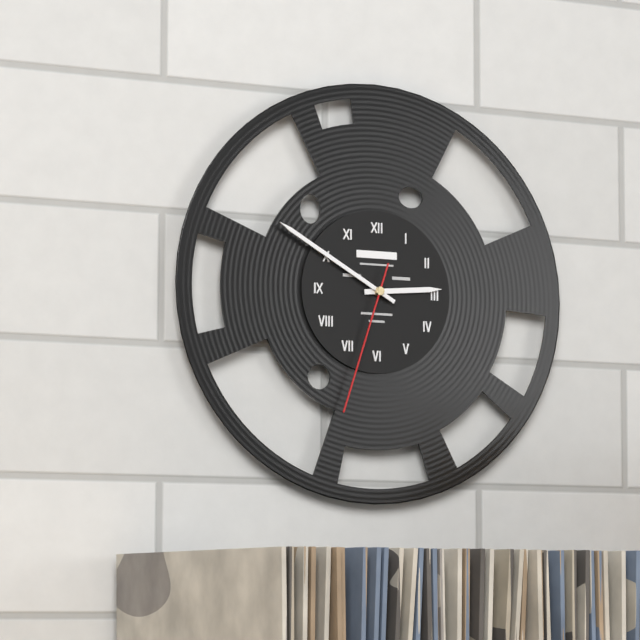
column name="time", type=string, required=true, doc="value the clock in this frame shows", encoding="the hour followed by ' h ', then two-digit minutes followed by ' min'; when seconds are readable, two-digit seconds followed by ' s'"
2 h 50 min 33 s
